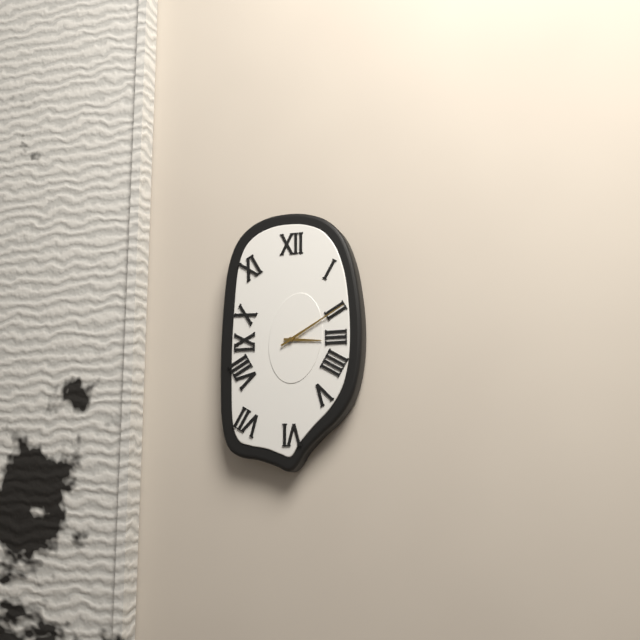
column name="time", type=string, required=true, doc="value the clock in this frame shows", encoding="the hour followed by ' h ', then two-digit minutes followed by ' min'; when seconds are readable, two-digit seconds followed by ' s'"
3 h 10 min
